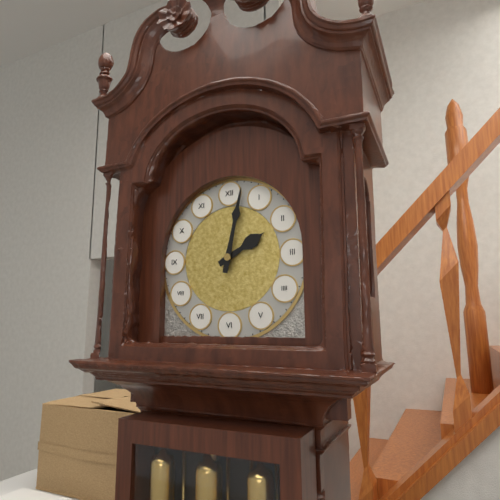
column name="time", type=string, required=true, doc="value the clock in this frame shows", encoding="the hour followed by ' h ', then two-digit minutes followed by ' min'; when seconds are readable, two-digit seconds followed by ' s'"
2 h 02 min
